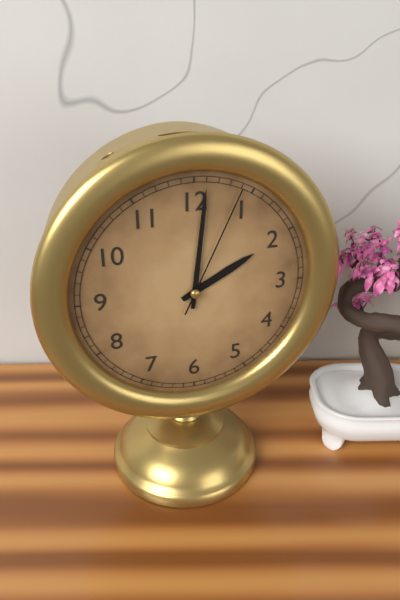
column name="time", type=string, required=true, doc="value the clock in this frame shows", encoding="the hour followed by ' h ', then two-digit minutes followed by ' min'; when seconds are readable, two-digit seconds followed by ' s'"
2 h 01 min 04 s
